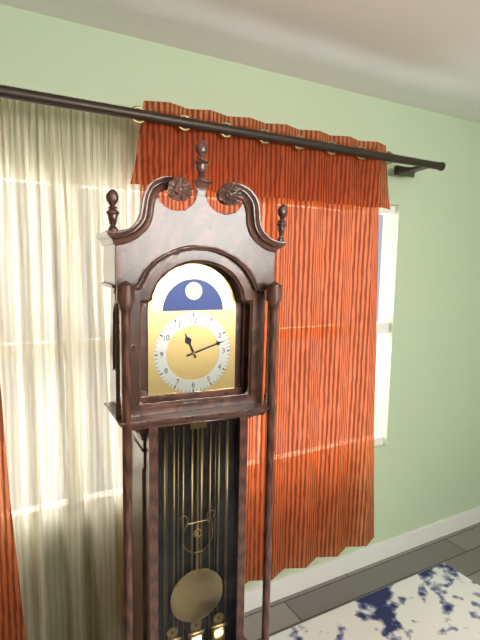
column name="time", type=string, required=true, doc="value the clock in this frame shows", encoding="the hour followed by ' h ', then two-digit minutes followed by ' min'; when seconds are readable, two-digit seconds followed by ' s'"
11 h 12 min
